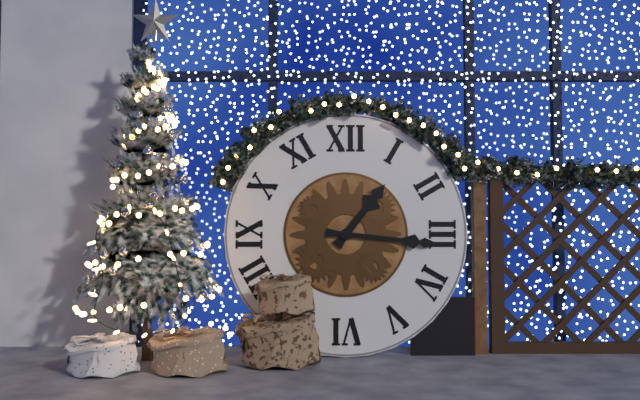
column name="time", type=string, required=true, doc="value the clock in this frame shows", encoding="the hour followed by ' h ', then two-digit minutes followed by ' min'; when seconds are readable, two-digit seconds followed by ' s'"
1 h 16 min
